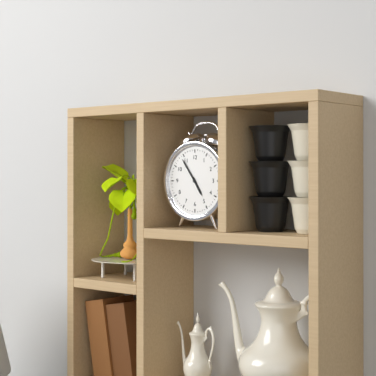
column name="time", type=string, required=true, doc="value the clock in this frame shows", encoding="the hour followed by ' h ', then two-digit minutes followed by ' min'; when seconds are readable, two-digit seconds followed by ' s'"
4 h 54 min
